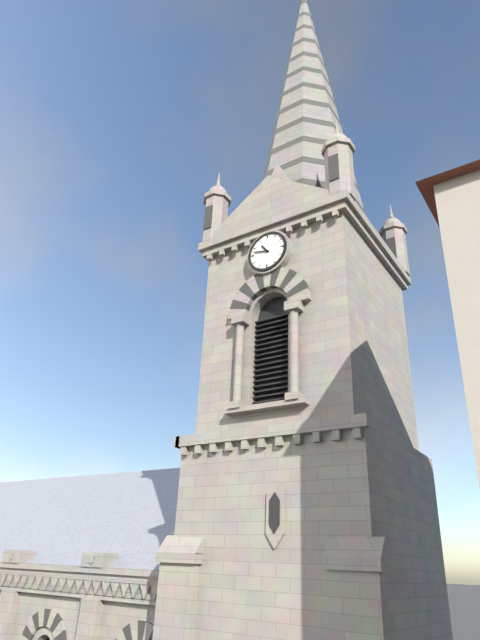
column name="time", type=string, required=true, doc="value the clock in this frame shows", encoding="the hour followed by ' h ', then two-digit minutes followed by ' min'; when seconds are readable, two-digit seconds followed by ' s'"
10 h 47 min
